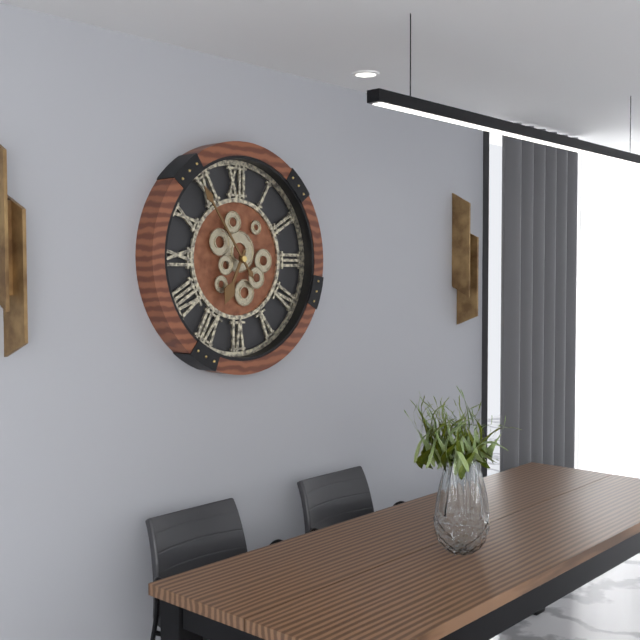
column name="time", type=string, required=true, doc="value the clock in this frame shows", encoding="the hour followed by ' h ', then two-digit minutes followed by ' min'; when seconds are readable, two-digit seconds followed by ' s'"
6 h 54 min
